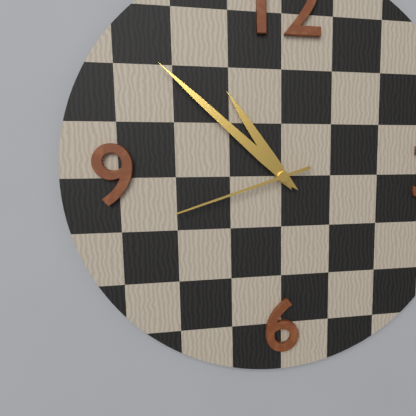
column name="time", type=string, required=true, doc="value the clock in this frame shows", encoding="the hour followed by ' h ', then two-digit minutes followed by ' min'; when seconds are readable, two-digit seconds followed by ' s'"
10 h 52 min 42 s
